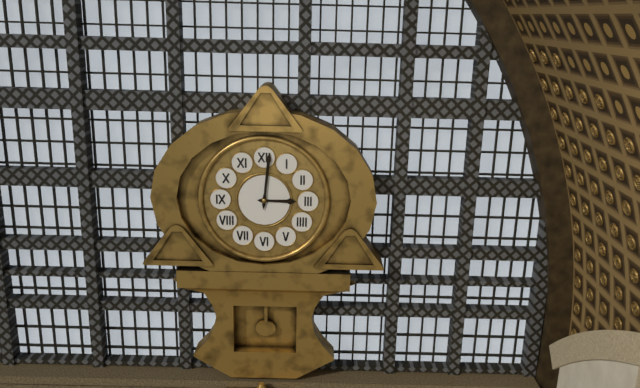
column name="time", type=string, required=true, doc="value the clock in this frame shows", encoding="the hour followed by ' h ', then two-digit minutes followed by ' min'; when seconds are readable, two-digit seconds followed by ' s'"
3 h 01 min
